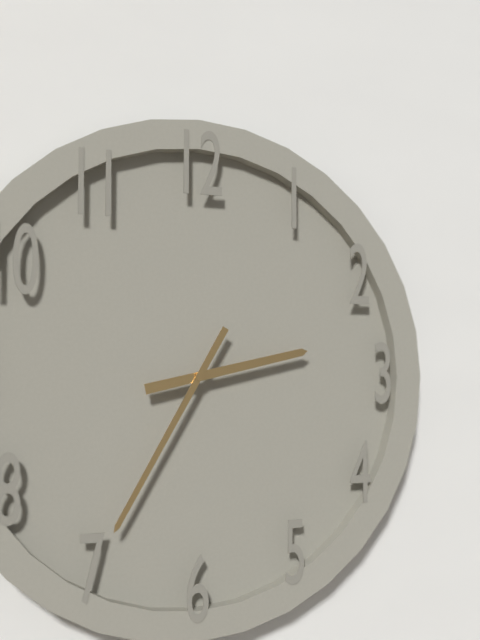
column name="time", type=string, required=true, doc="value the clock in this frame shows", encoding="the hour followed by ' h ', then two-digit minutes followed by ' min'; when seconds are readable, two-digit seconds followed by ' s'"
2 h 35 min
